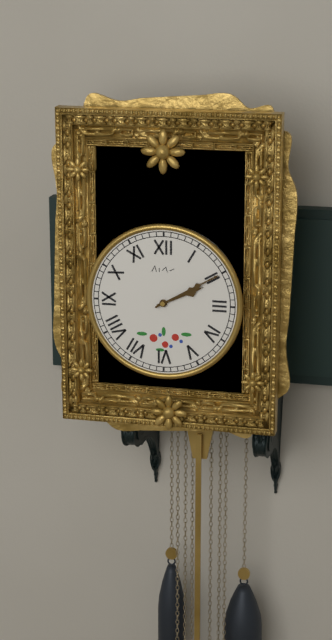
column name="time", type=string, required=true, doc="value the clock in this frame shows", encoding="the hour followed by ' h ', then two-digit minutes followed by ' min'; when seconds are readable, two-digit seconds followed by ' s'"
2 h 10 min
